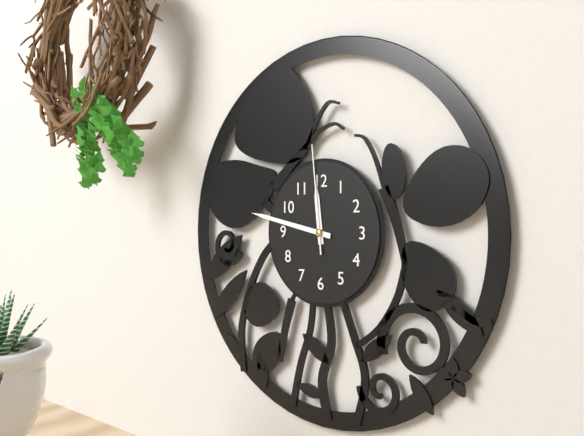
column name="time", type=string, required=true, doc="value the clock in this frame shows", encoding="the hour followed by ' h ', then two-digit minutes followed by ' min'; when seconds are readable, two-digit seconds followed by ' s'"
11 h 47 min 59 s
